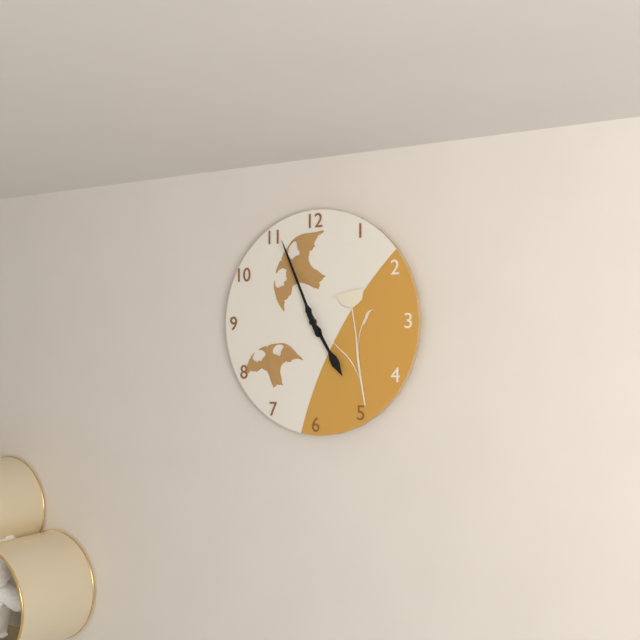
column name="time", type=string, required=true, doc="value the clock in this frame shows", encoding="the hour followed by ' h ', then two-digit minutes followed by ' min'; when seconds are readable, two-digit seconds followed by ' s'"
4 h 56 min
